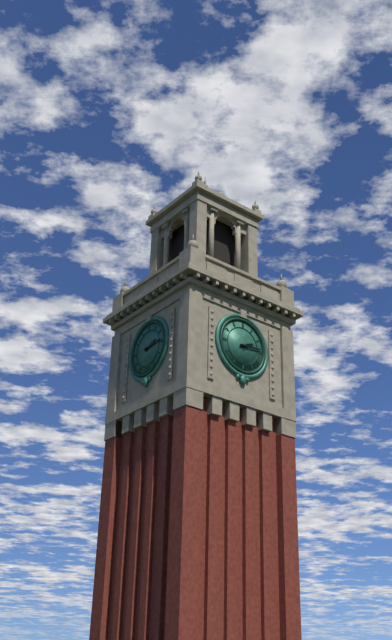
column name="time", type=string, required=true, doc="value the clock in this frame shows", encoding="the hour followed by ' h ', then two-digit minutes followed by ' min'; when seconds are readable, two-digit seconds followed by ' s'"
2 h 14 min
